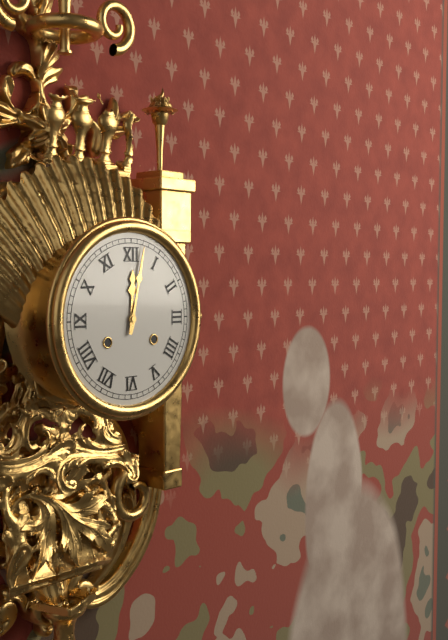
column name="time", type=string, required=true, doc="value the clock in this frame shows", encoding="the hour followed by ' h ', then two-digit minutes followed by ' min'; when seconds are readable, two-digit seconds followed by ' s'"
12 h 02 min
